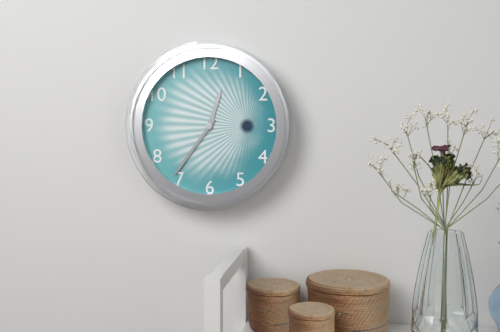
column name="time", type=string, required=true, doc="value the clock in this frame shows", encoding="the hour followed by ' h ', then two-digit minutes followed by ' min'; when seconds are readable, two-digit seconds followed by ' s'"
12 h 36 min
